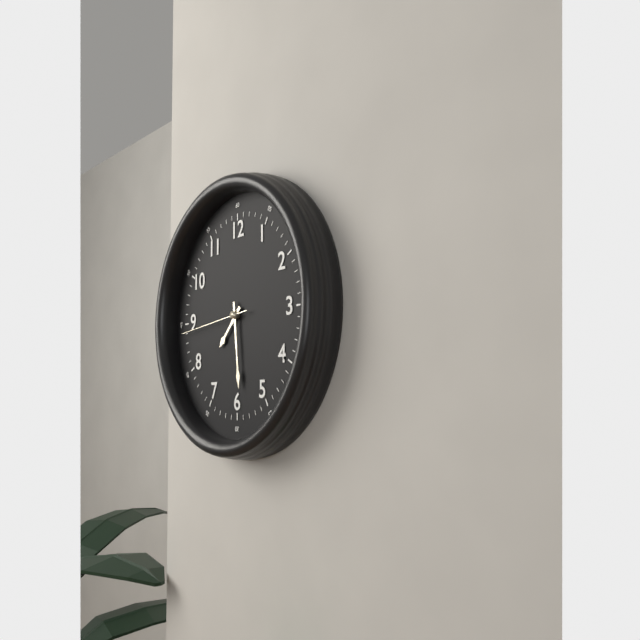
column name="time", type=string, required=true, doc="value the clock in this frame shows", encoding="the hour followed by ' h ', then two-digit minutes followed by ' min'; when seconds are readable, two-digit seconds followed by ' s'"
7 h 29 min 44 s
